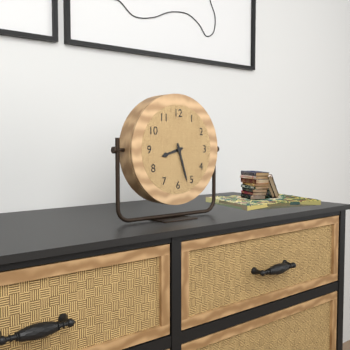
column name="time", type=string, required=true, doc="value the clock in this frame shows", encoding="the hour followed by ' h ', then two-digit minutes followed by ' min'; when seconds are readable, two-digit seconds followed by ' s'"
8 h 27 min
